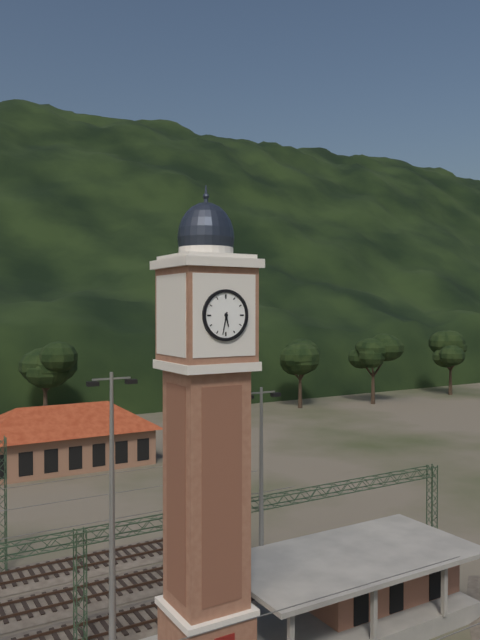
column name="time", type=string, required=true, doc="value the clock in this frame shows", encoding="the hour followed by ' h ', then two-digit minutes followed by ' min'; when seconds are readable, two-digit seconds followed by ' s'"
5 h 32 min
